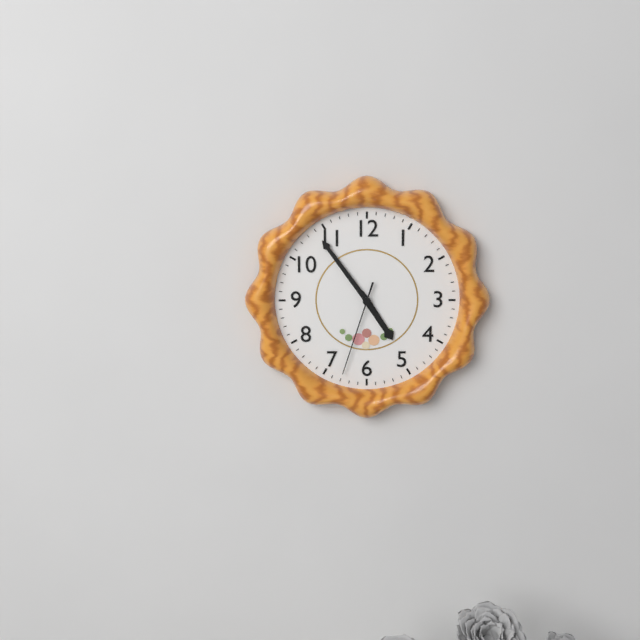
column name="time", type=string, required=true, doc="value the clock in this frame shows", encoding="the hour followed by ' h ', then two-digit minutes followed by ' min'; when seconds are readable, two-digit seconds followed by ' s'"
4 h 54 min 33 s
